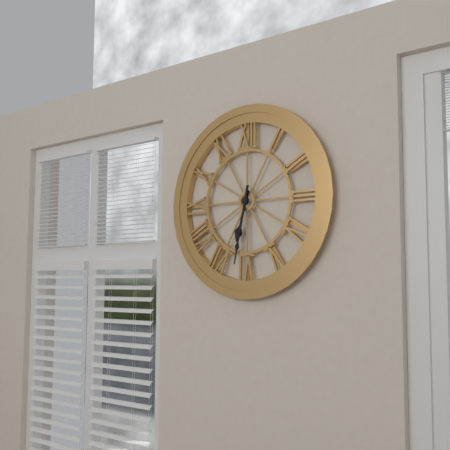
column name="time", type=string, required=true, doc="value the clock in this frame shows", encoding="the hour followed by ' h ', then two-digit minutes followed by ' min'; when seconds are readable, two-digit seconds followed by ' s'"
6 h 32 min
